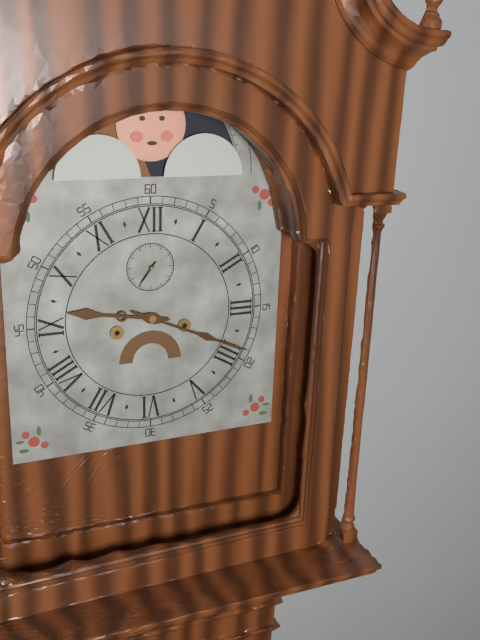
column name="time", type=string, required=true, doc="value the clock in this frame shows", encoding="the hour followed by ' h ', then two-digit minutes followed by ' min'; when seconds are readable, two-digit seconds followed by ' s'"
9 h 19 min
